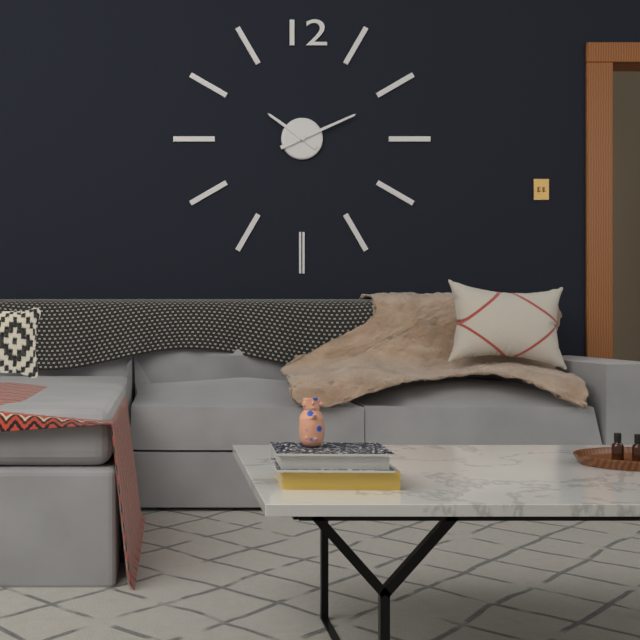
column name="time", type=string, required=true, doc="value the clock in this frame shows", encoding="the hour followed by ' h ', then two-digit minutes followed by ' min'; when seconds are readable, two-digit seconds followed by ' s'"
10 h 11 min
